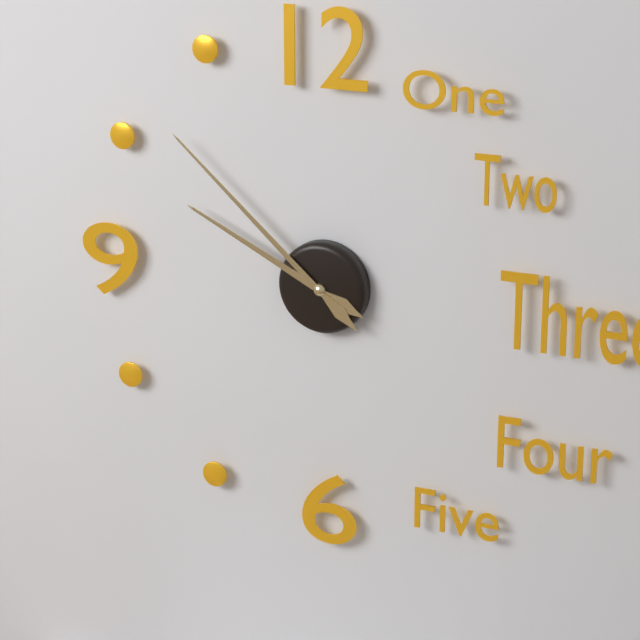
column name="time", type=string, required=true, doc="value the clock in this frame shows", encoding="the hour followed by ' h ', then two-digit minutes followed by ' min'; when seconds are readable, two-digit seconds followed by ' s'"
9 h 52 min
